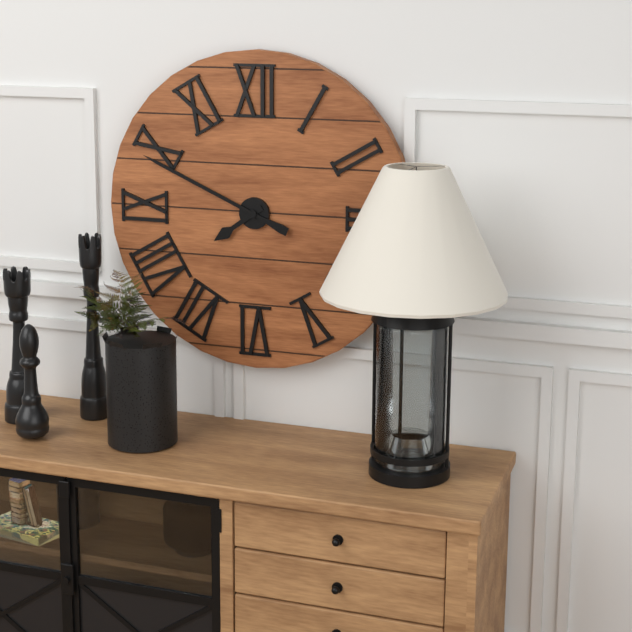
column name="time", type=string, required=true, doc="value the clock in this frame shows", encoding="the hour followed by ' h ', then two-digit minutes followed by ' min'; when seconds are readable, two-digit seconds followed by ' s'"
7 h 49 min
